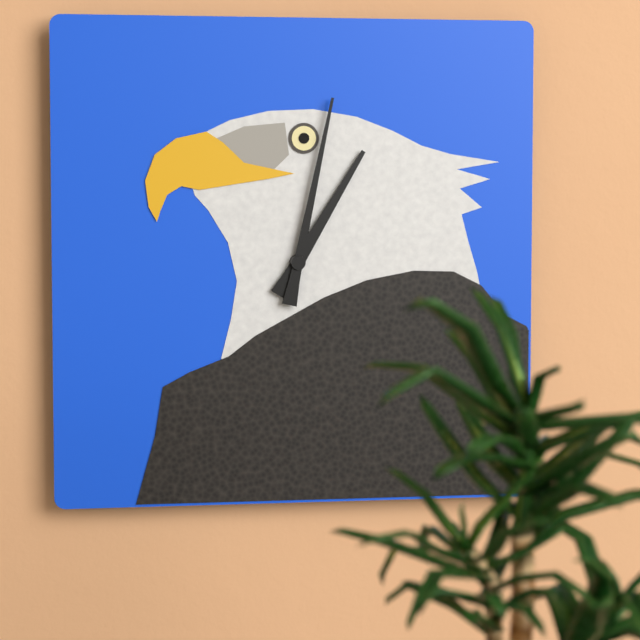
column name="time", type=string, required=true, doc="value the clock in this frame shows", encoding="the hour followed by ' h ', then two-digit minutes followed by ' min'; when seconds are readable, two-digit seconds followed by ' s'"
1 h 02 min
